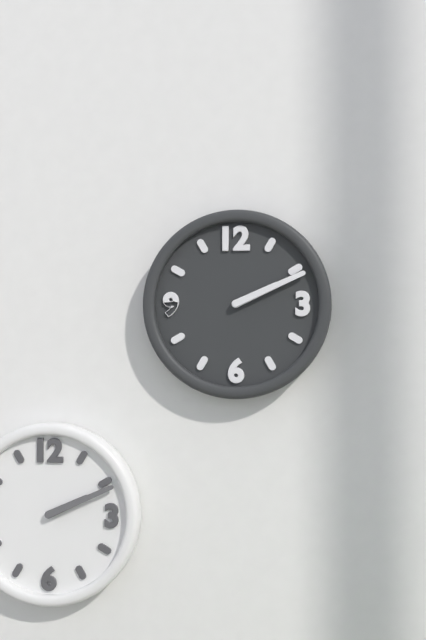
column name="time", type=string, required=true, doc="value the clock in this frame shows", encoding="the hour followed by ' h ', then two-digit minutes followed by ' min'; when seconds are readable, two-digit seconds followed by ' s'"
2 h 11 min
